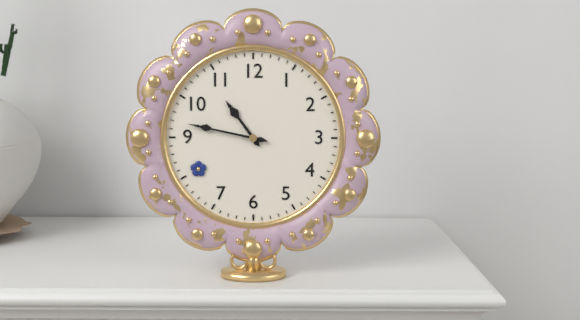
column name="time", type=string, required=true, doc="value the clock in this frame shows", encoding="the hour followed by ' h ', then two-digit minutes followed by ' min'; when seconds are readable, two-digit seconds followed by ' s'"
10 h 47 min
